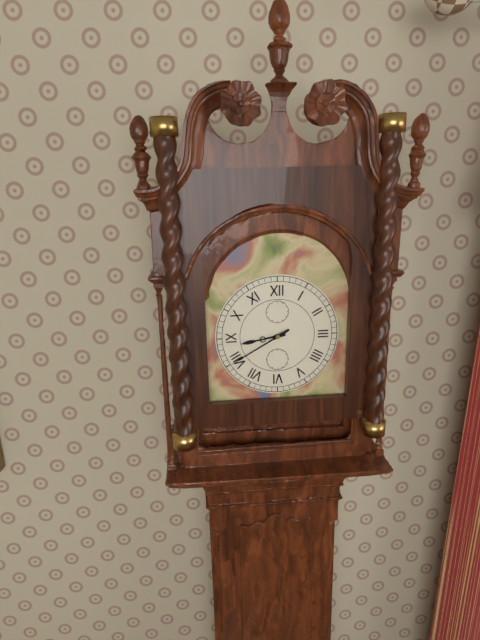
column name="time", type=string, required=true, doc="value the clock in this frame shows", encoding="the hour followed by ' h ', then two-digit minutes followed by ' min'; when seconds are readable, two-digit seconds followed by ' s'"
8 h 40 min
